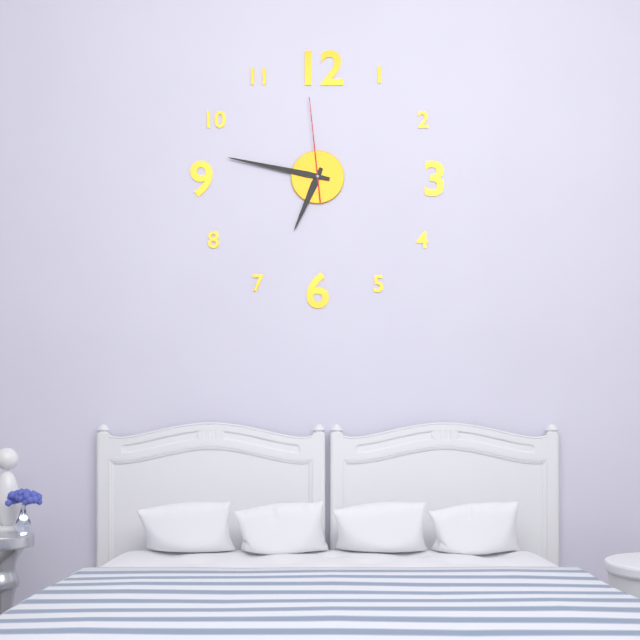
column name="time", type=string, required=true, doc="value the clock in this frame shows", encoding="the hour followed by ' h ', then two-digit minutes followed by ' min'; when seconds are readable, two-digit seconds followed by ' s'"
6 h 47 min 59 s
